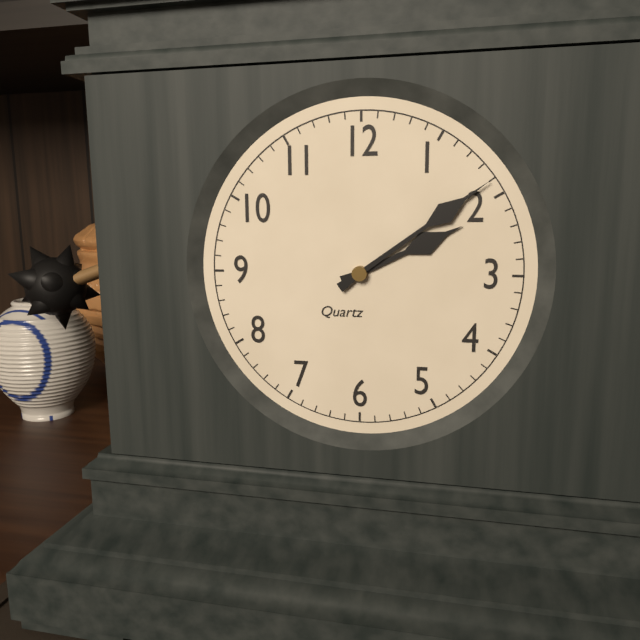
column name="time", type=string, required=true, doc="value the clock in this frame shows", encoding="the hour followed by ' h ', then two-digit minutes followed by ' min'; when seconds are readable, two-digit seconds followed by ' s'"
2 h 09 min
